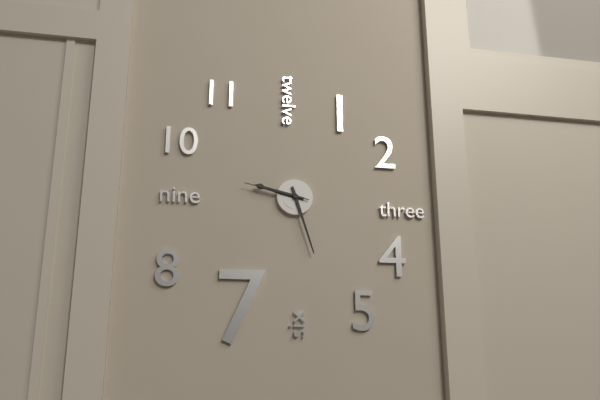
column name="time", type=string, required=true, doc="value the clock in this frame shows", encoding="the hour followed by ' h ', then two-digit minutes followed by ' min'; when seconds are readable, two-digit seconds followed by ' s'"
9 h 27 min 47 s
